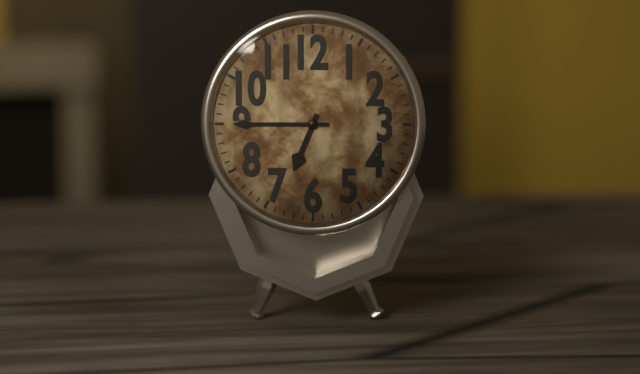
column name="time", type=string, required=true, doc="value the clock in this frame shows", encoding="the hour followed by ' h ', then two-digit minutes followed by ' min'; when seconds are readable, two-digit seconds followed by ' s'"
6 h 45 min
